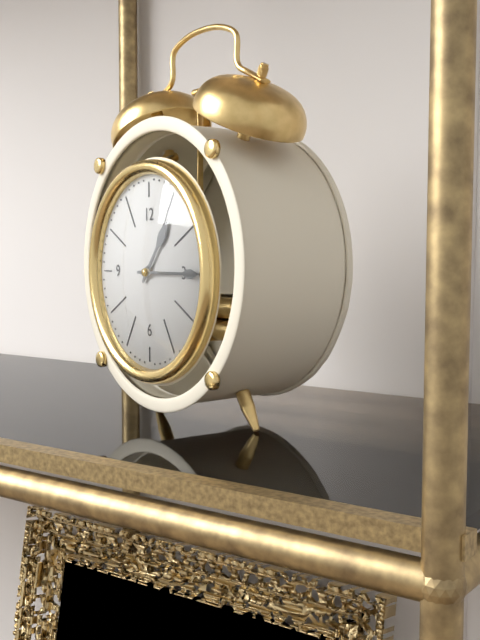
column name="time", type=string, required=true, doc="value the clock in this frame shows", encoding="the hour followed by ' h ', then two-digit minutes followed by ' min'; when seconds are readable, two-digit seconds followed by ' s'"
1 h 15 min
